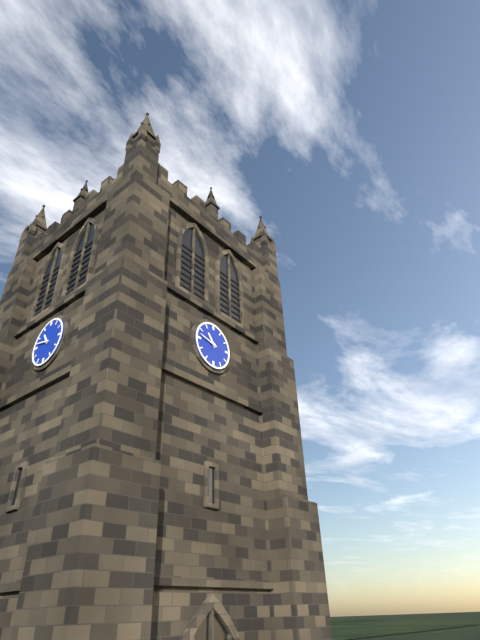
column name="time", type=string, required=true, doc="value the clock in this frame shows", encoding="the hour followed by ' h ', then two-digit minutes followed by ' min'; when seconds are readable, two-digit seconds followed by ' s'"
10 h 47 min
